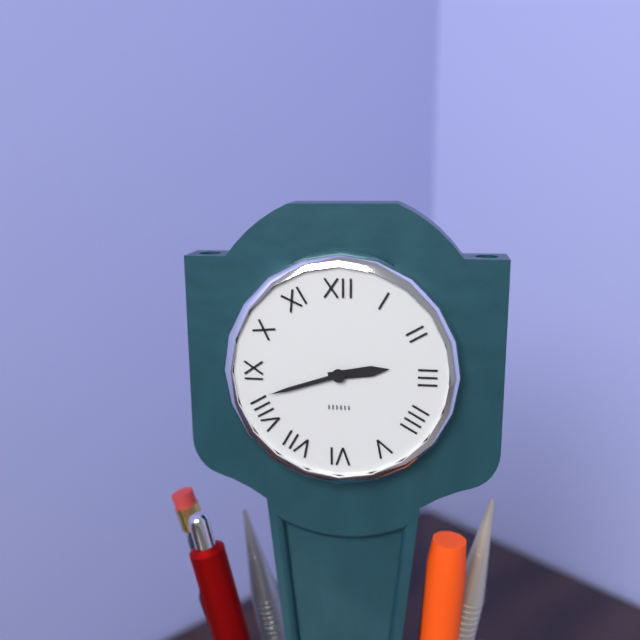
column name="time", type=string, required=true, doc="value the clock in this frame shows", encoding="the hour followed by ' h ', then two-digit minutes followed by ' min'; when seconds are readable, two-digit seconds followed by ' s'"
2 h 42 min
